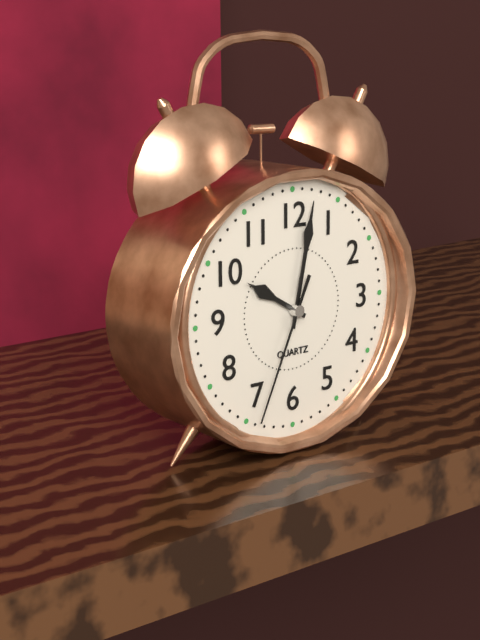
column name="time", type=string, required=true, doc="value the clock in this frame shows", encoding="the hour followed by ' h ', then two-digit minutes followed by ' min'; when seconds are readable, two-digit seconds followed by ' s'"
10 h 02 min 34 s
